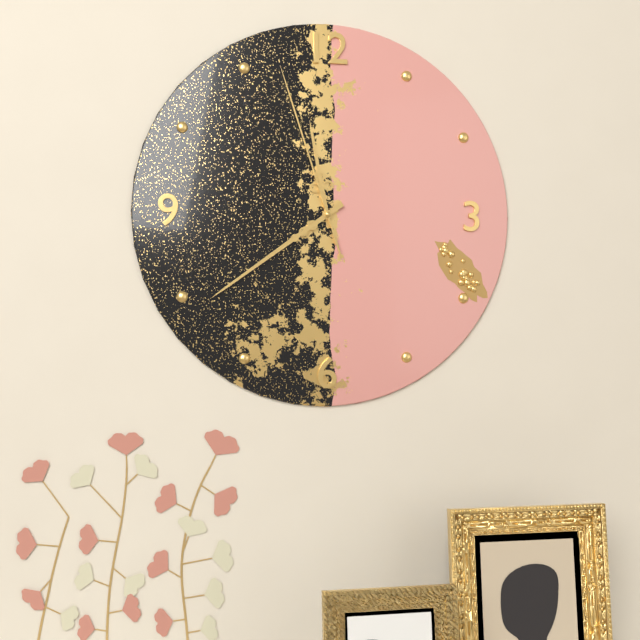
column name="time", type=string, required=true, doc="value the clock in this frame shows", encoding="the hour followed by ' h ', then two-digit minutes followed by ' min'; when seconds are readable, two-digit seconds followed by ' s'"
11 h 39 min 57 s
